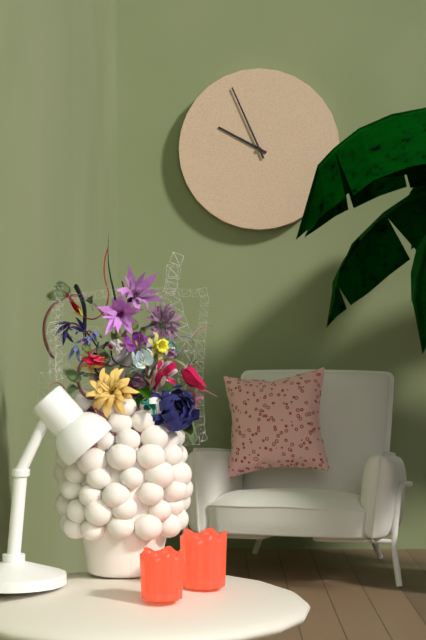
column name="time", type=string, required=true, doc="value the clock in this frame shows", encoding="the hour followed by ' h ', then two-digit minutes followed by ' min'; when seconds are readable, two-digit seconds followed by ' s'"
9 h 56 min
